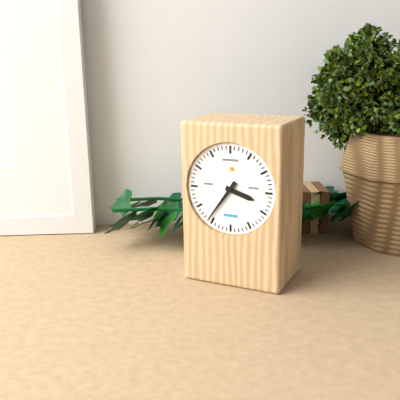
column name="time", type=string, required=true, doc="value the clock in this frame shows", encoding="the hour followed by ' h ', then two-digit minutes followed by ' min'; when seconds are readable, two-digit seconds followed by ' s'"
3 h 36 min
